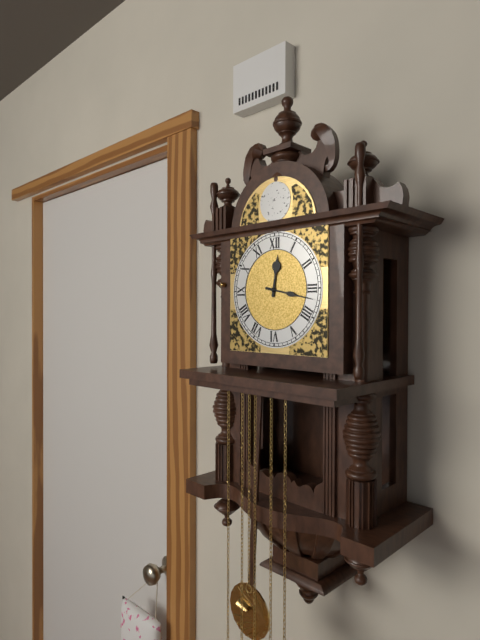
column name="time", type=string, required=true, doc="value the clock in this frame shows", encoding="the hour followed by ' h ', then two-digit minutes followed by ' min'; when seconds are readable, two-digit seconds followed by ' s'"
12 h 17 min
